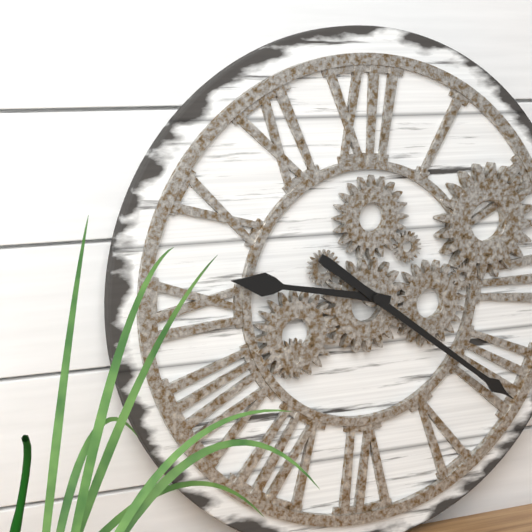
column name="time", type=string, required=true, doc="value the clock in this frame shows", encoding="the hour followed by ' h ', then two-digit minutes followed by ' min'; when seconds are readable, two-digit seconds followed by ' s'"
9 h 21 min
